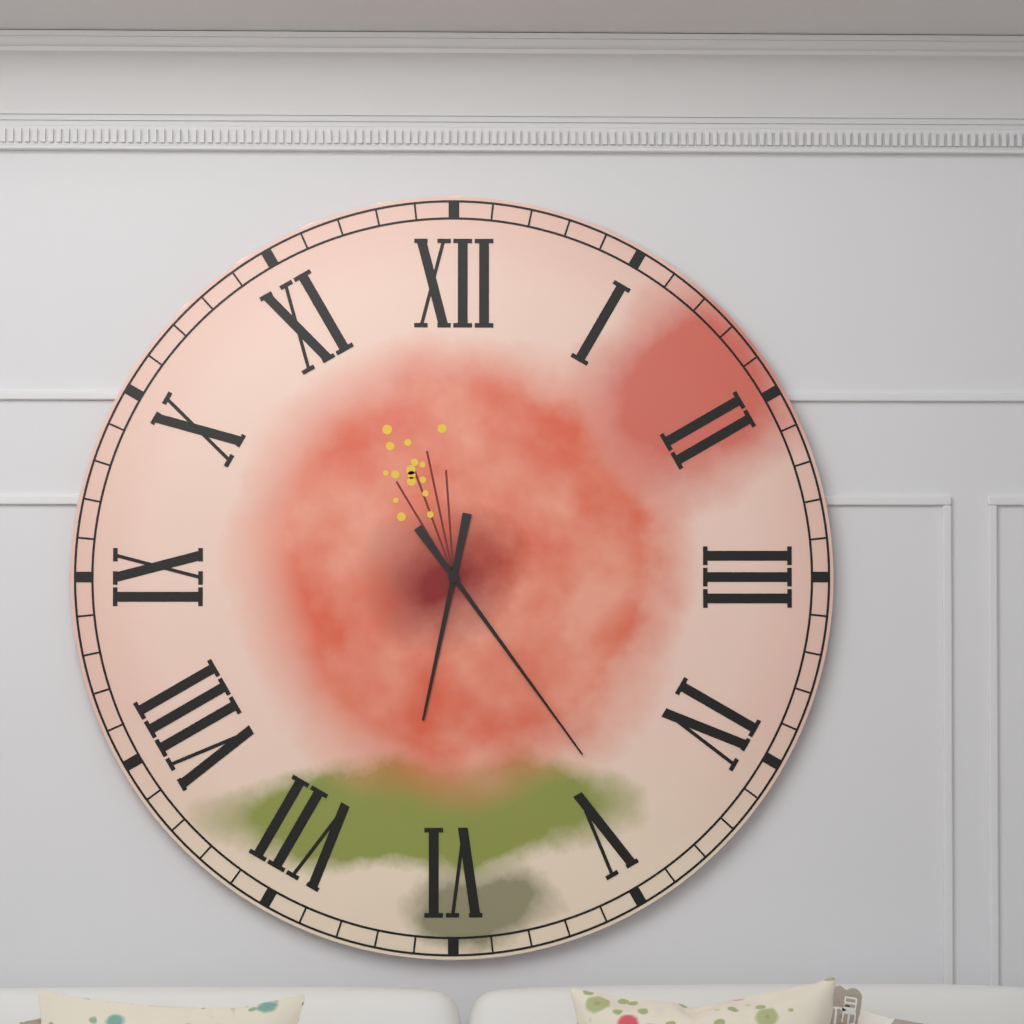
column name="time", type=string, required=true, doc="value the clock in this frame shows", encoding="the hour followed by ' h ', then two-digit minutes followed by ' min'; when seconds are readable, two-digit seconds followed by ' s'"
6 h 24 min
